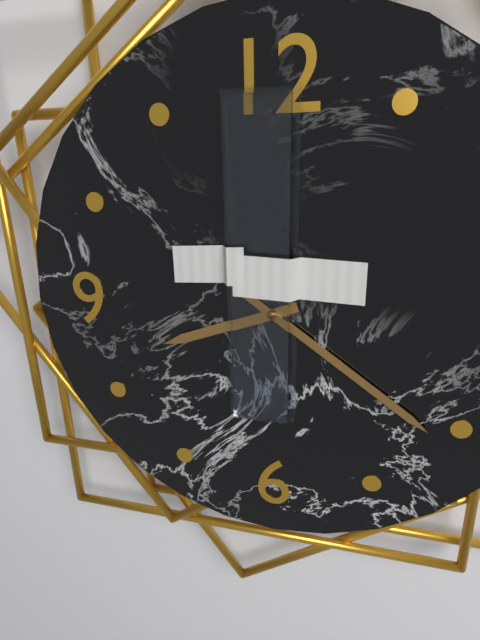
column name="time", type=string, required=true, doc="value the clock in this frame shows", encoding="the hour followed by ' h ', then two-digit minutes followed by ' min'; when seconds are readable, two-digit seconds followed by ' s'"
8 h 21 min
